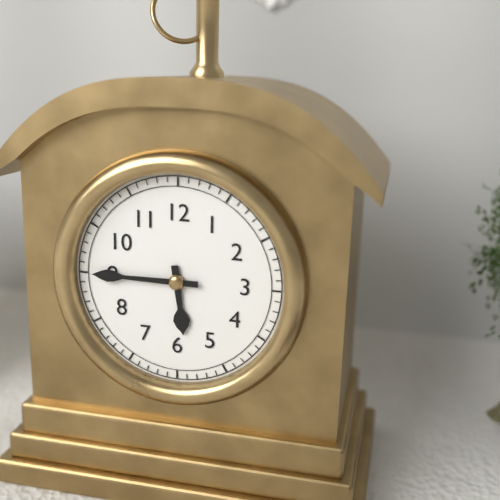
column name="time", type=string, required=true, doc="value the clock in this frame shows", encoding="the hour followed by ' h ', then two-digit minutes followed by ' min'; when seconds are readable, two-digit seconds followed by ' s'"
5 h 45 min
